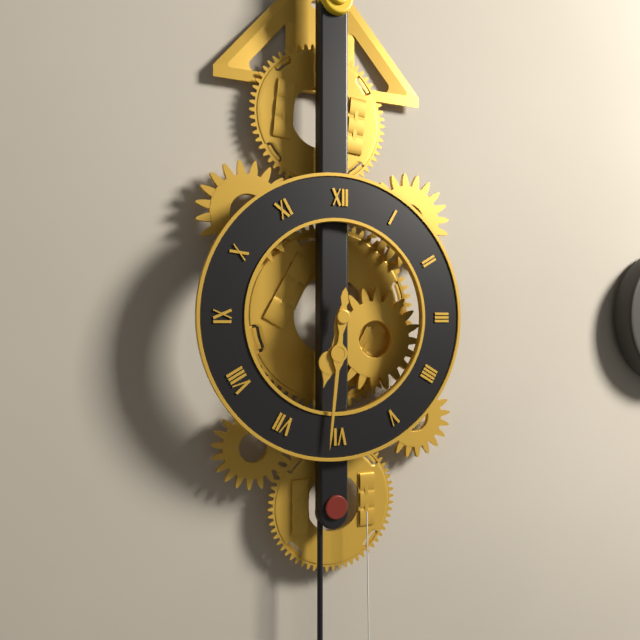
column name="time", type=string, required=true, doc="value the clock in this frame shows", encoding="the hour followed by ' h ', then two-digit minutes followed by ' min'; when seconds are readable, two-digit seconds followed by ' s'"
6 h 31 min
